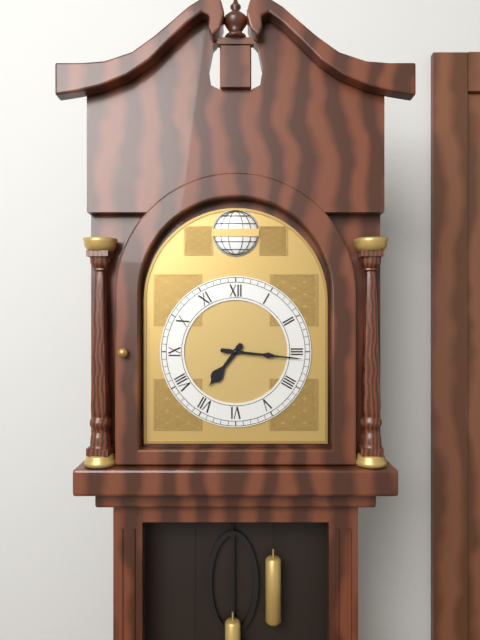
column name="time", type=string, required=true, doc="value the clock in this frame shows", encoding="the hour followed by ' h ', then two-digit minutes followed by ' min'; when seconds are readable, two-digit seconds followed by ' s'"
7 h 16 min
